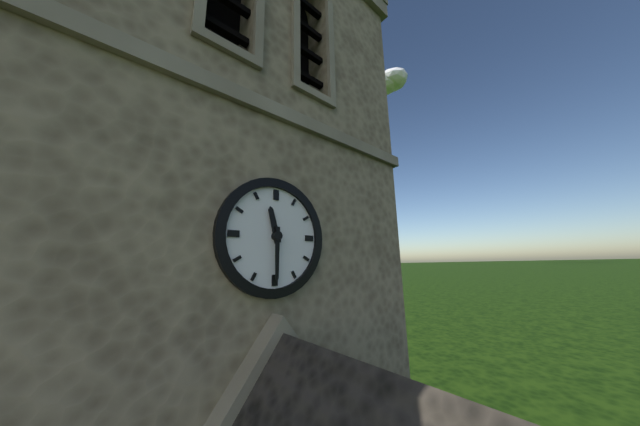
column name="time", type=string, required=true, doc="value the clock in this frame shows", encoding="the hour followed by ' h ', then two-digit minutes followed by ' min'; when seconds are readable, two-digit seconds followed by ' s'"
11 h 30 min
